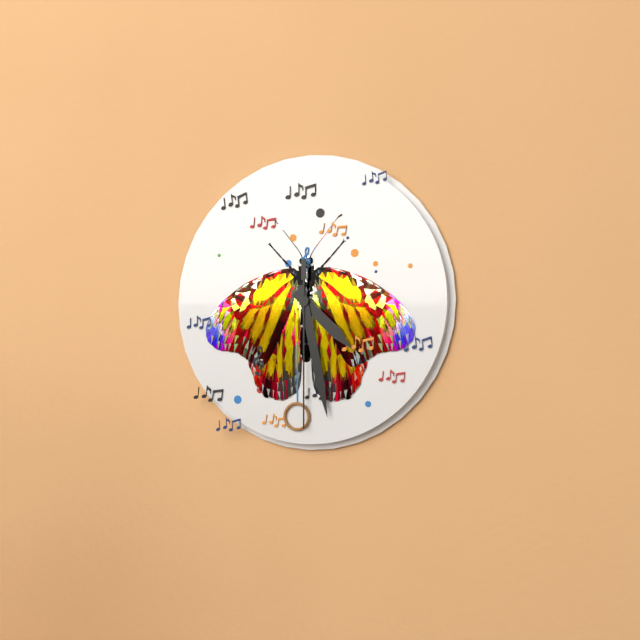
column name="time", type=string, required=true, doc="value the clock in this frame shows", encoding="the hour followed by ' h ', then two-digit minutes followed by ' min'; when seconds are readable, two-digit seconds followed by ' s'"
4 h 28 min 30 s
